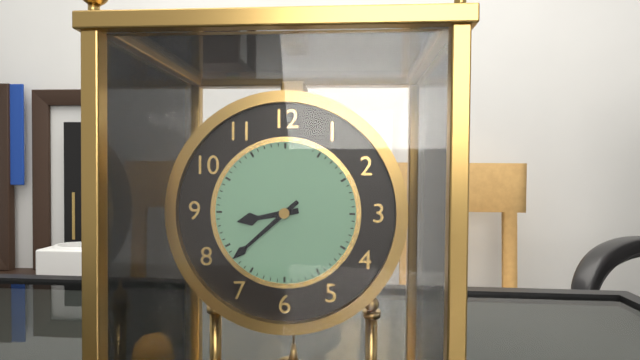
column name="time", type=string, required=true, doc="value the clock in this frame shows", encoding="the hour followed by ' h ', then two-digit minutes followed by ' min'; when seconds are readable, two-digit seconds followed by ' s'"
8 h 38 min
